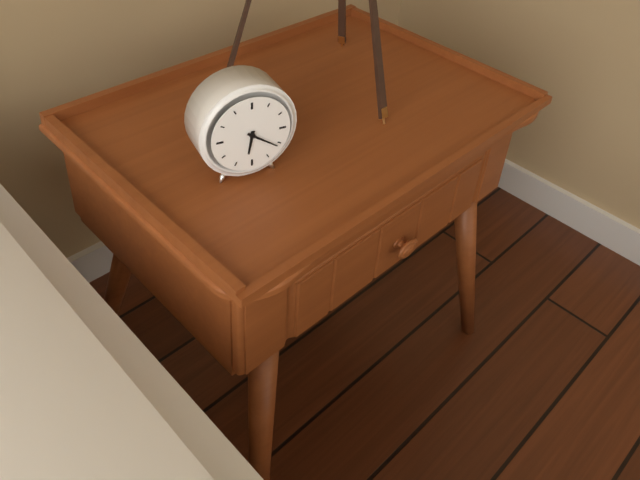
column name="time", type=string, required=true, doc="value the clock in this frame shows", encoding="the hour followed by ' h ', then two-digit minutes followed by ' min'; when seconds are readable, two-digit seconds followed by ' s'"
6 h 21 min
